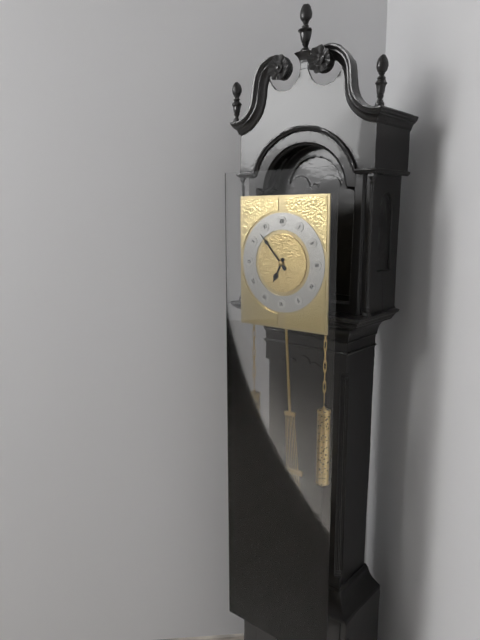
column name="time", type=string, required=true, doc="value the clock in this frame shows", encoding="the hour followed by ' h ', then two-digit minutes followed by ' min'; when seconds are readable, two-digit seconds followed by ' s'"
6 h 53 min
